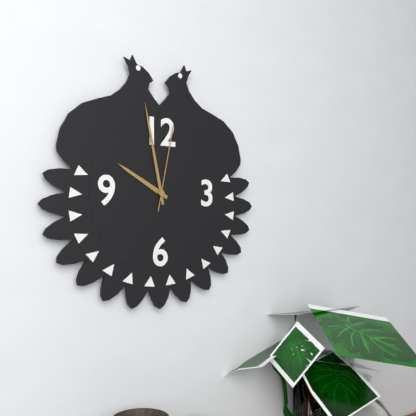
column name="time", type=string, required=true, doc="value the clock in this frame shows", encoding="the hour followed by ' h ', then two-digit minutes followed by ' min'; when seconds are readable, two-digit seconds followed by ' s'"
9 h 58 min 02 s
